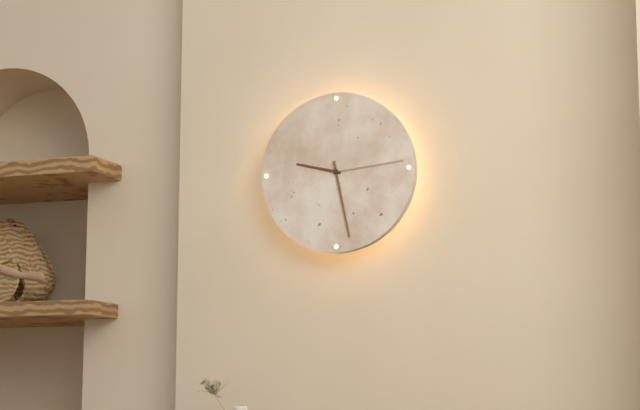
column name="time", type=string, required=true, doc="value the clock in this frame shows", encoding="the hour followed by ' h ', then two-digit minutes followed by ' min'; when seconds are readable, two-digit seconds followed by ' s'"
9 h 28 min 14 s
